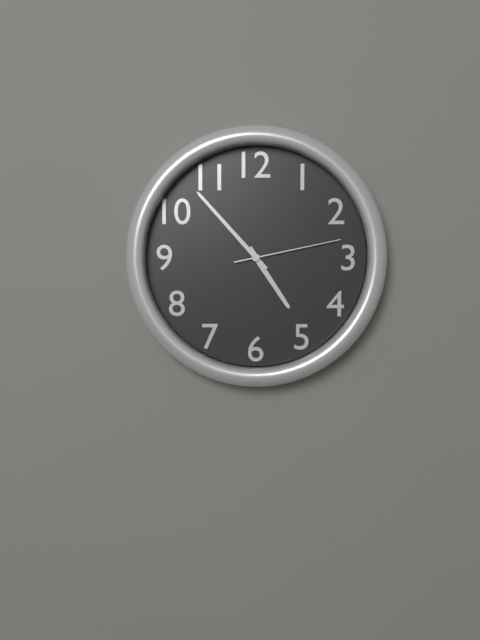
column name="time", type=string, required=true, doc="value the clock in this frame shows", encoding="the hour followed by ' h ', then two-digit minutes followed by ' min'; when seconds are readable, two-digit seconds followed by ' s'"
4 h 53 min 13 s
